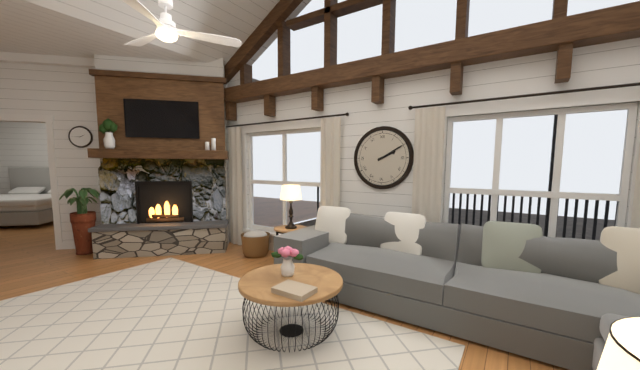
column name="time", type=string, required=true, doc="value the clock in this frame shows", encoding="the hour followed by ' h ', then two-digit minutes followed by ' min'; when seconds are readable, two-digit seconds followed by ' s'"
2 h 10 min
